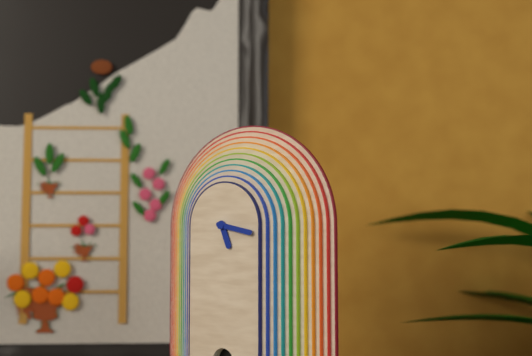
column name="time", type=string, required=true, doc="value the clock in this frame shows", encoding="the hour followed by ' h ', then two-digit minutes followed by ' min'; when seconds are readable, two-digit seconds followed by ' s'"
5 h 17 min
